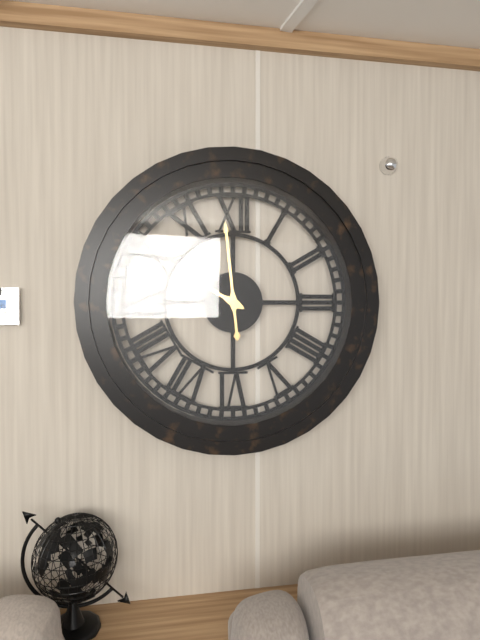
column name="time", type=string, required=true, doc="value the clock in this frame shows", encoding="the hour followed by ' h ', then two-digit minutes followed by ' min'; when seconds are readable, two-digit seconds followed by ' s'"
9 h 59 min
